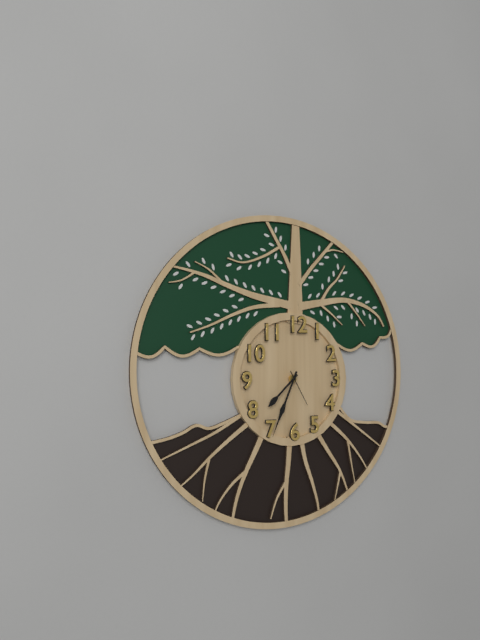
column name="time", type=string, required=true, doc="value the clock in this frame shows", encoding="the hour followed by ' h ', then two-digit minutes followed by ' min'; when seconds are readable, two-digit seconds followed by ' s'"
7 h 34 min
